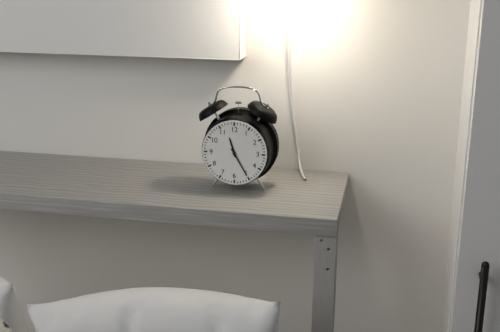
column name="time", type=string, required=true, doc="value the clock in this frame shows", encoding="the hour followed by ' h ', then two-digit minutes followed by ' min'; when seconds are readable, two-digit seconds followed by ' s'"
11 h 25 min
